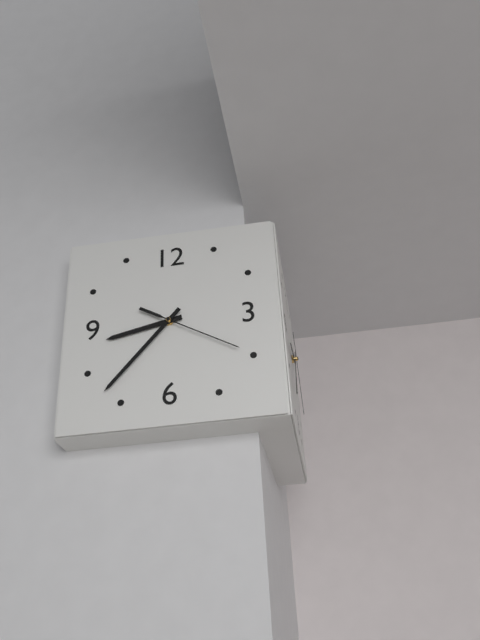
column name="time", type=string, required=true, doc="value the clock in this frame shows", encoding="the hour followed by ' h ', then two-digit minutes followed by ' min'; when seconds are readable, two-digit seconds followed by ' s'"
8 h 37 min 20 s
